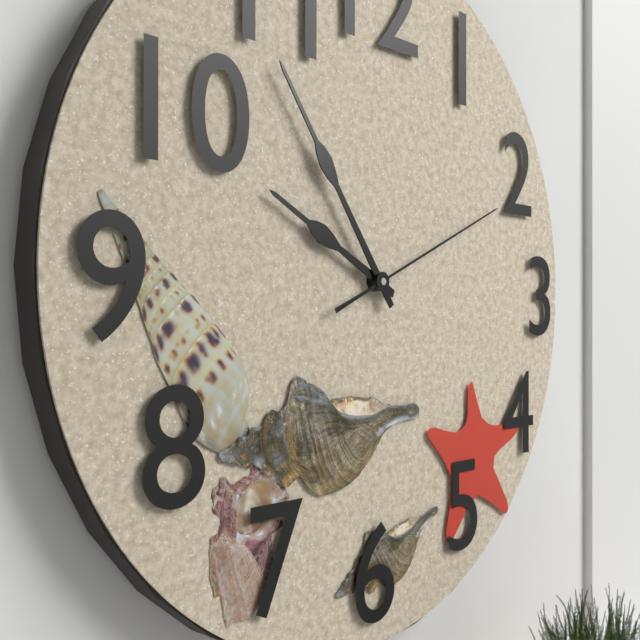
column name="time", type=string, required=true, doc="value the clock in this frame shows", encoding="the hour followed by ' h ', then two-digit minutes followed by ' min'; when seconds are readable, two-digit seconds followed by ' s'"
9 h 54 min 11 s
